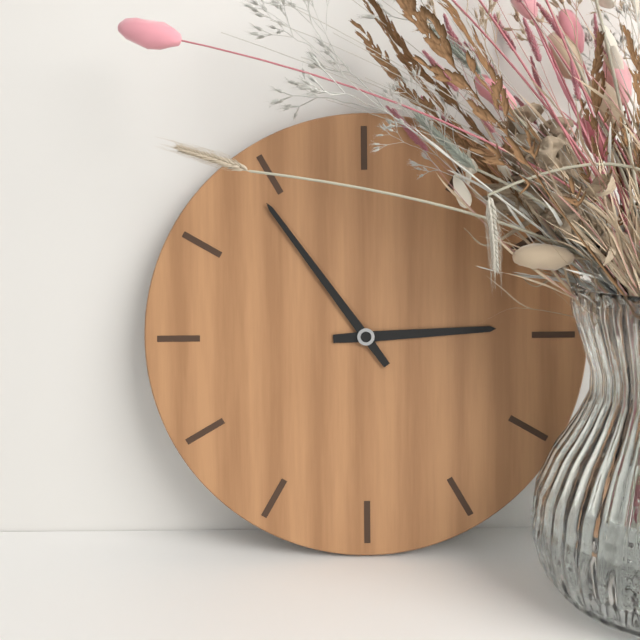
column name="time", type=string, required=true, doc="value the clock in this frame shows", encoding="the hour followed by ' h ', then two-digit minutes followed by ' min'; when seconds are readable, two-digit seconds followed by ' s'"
2 h 54 min
